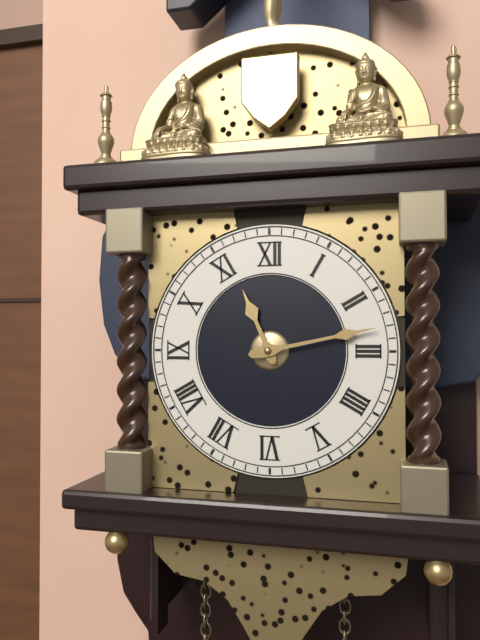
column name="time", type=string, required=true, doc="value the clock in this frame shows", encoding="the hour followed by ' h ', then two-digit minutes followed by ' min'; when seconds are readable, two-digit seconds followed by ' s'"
11 h 13 min
